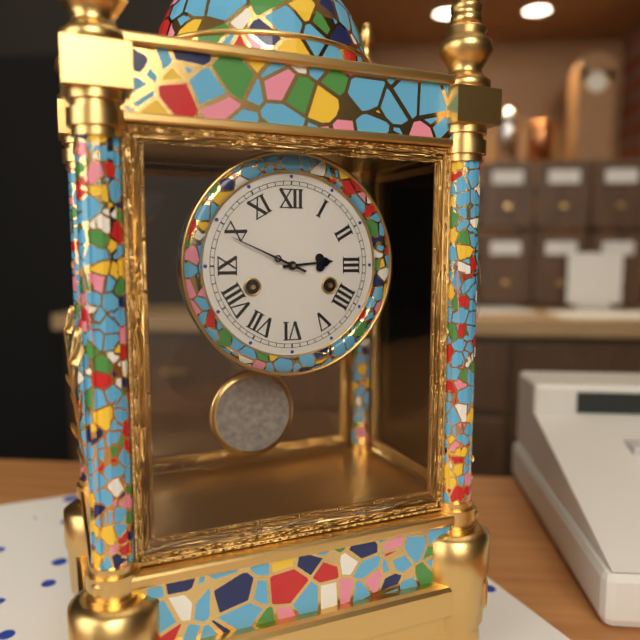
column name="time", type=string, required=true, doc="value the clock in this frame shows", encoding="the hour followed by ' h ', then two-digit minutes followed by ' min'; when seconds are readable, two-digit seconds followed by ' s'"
2 h 49 min
